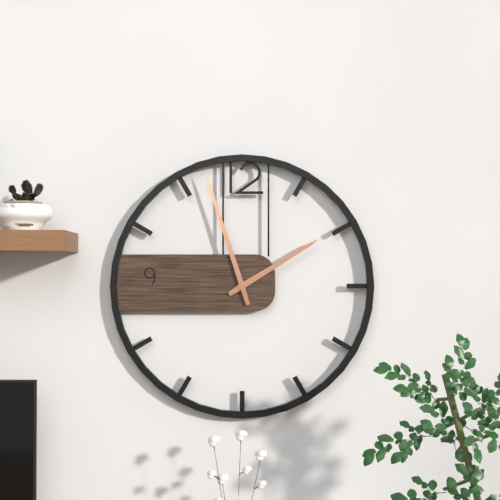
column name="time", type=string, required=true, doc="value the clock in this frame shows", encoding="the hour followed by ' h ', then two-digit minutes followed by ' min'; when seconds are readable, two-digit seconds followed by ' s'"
1 h 57 min
